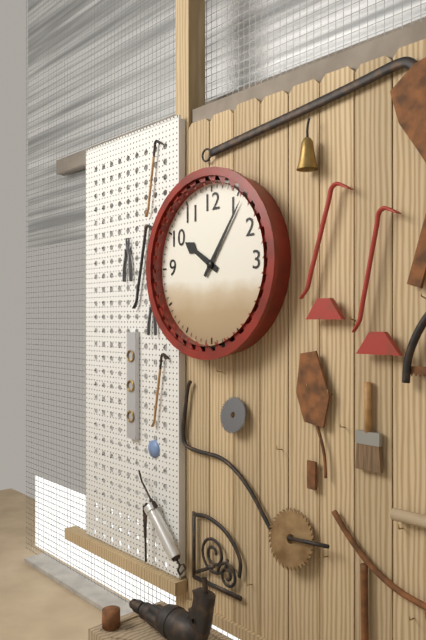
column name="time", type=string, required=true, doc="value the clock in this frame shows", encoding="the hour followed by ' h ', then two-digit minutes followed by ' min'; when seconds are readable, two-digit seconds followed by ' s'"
10 h 06 min
